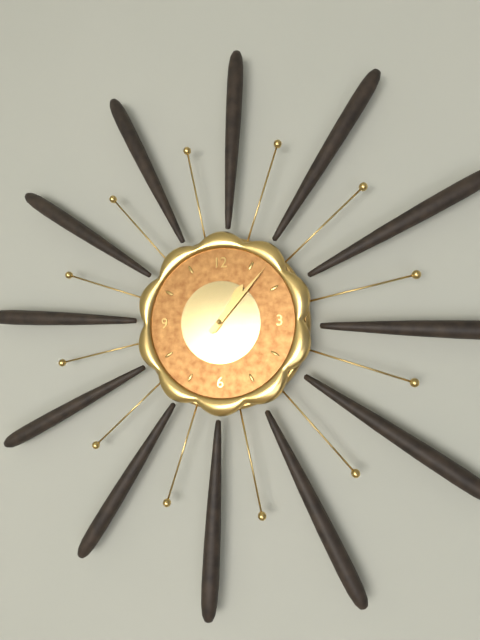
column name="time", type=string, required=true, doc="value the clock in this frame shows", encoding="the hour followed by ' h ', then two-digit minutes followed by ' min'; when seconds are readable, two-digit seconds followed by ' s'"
1 h 07 min
